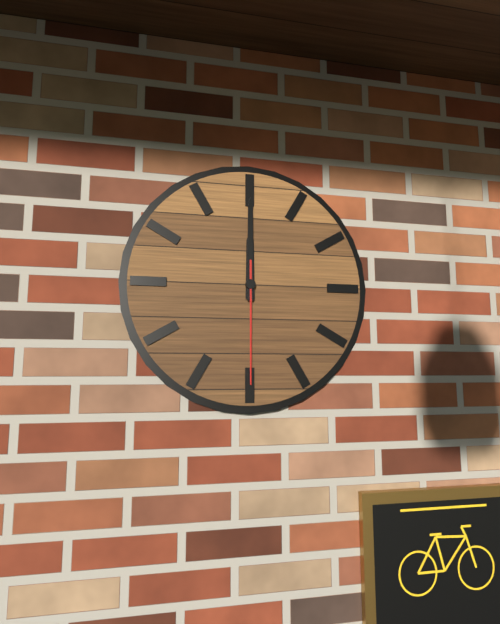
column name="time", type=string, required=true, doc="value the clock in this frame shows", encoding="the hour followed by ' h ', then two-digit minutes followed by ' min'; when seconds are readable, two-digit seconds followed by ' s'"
12 h 00 min 30 s
